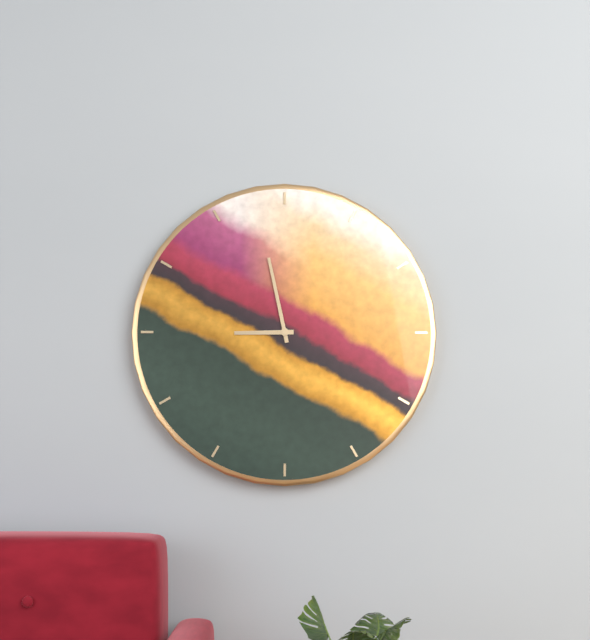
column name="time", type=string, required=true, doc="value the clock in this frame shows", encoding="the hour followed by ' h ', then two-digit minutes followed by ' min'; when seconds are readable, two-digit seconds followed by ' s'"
8 h 58 min
